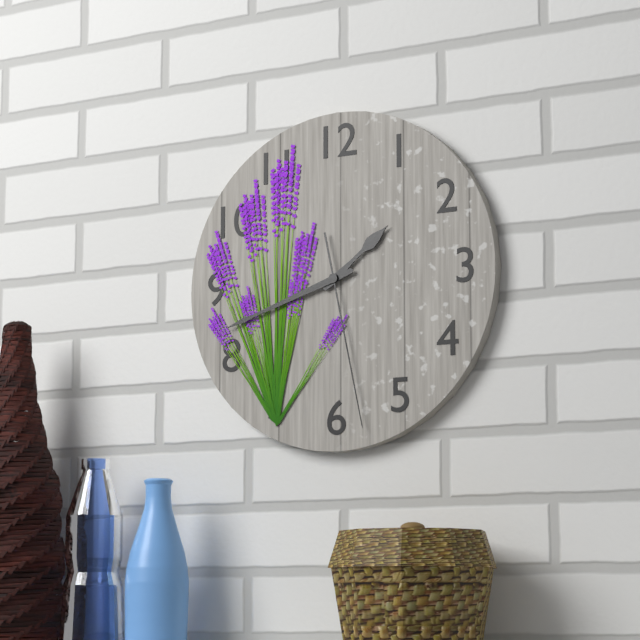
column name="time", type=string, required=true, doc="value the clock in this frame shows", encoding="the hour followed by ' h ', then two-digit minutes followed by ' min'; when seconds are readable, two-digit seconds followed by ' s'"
1 h 42 min 28 s
